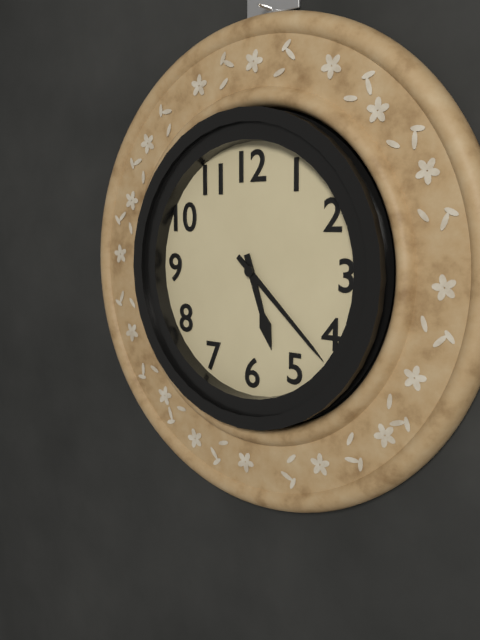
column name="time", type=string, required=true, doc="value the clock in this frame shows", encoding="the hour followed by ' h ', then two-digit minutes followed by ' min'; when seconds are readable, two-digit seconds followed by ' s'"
5 h 22 min
